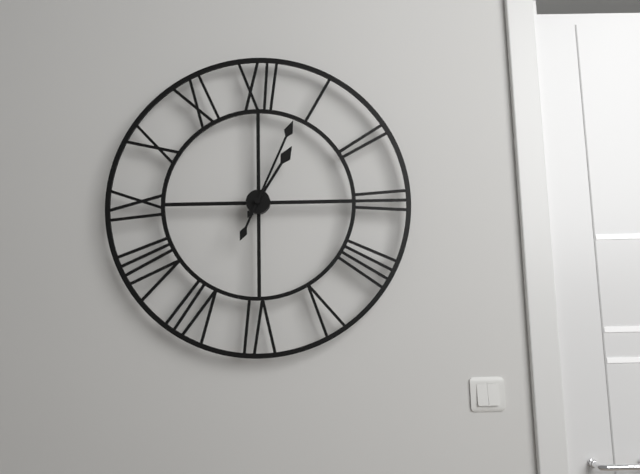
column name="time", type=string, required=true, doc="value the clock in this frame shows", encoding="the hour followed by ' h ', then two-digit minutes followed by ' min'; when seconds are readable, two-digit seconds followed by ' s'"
1 h 04 min
